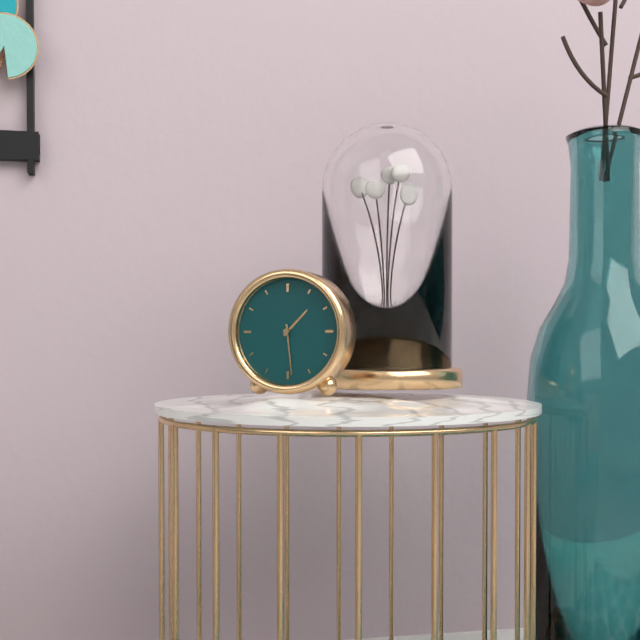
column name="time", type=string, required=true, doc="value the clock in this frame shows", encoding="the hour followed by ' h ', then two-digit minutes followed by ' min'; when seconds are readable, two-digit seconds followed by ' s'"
1 h 29 min
